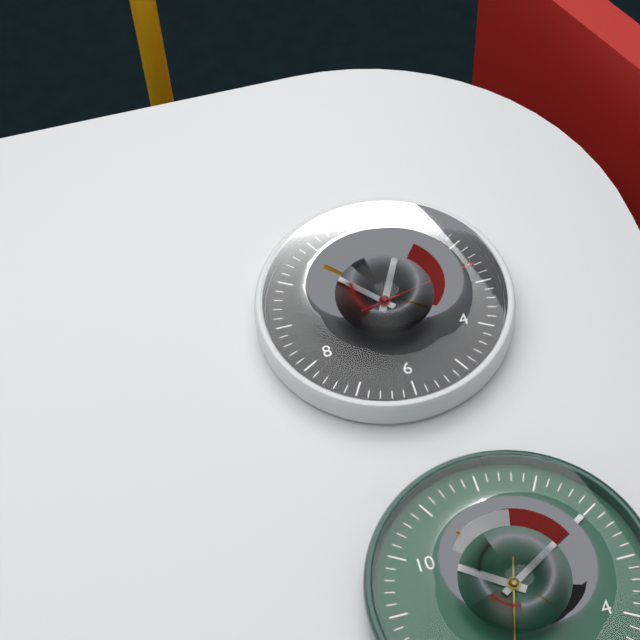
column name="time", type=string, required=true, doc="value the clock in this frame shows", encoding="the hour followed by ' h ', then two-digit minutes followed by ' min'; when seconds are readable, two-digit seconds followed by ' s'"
12 h 53 min 13 s
